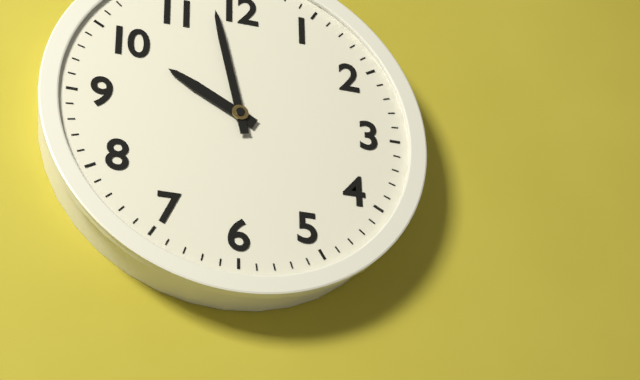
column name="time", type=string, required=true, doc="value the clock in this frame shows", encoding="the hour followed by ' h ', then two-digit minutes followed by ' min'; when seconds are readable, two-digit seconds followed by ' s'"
9 h 58 min
